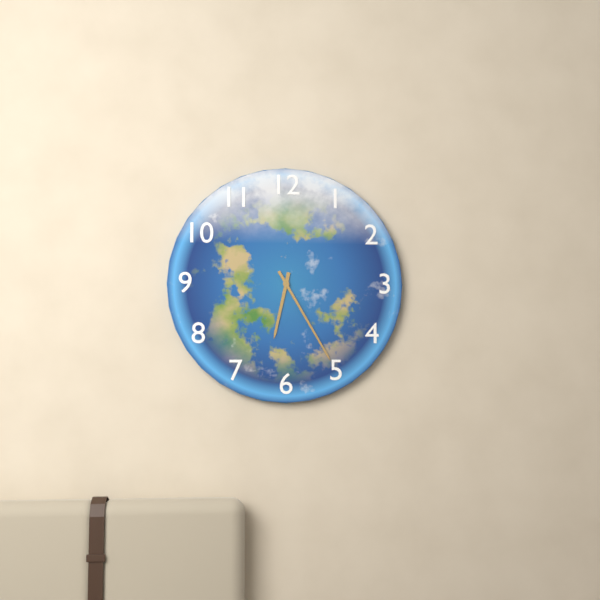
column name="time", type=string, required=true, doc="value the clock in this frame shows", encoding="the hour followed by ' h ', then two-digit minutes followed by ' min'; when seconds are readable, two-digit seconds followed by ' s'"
6 h 25 min
